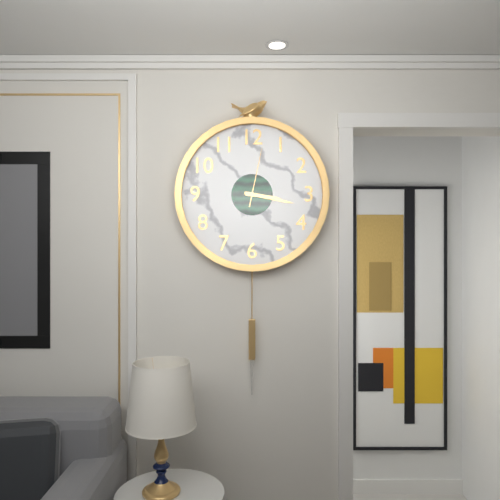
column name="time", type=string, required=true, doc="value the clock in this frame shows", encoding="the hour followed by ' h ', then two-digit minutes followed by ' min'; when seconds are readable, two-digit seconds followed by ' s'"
3 h 17 min 02 s
